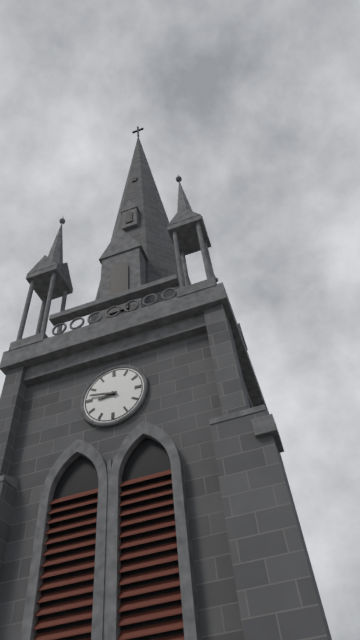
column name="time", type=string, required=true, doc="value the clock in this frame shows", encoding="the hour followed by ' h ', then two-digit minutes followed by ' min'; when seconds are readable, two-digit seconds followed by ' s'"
8 h 47 min
